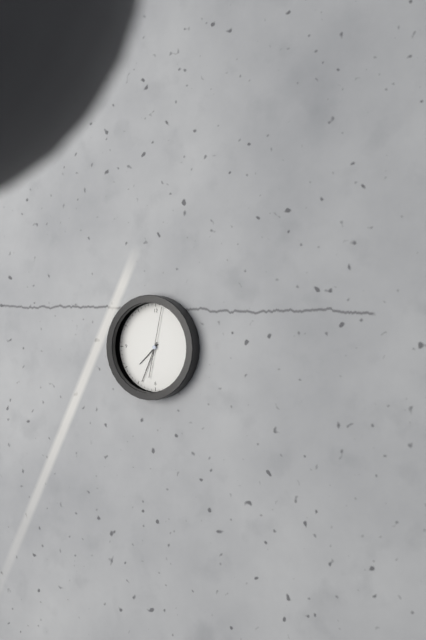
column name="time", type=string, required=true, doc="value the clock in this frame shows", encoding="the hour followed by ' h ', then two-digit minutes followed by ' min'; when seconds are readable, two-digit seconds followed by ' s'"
7 h 34 min 02 s
